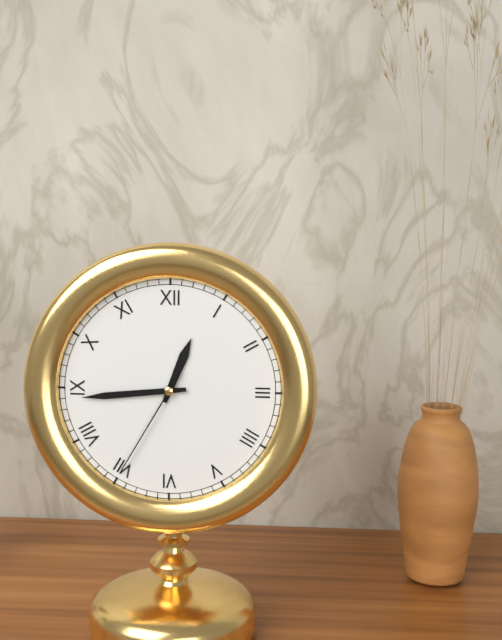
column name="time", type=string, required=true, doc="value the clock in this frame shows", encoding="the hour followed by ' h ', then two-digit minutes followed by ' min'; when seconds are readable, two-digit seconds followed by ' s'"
12 h 44 min 35 s
